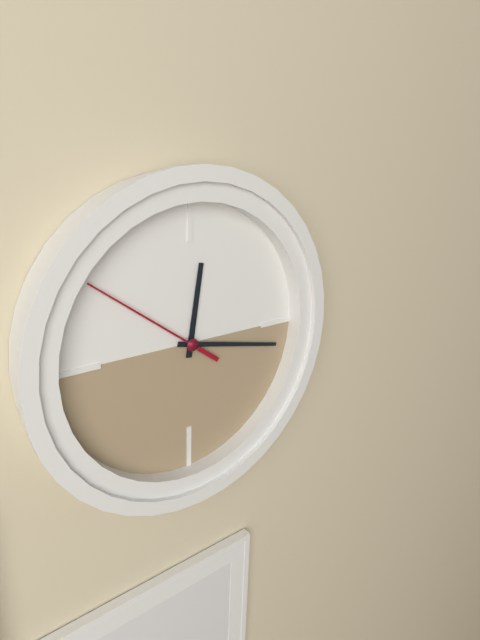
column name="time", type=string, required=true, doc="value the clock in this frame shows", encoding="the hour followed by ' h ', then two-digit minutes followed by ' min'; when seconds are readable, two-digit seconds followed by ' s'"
12 h 17 min 51 s
